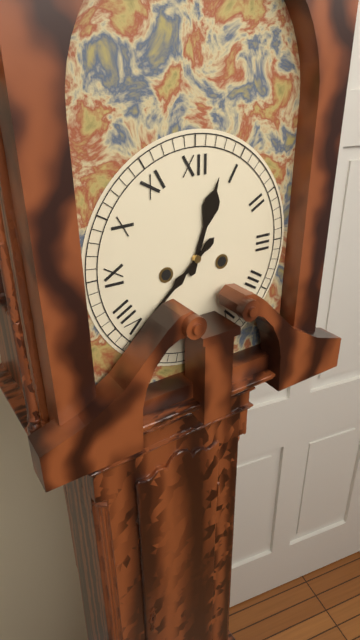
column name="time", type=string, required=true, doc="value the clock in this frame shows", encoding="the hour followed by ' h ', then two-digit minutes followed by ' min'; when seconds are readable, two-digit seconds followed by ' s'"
12 h 38 min
